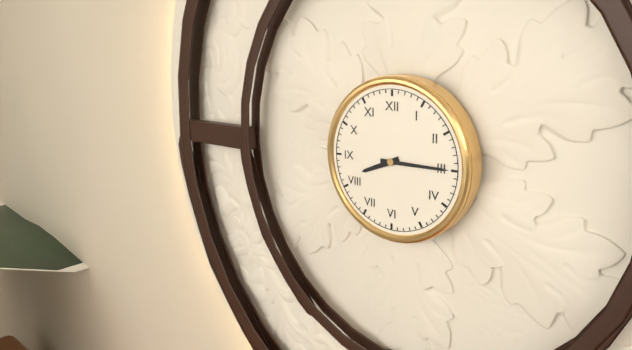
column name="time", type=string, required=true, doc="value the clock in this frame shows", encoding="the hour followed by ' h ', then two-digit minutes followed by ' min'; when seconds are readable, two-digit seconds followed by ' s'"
8 h 15 min
